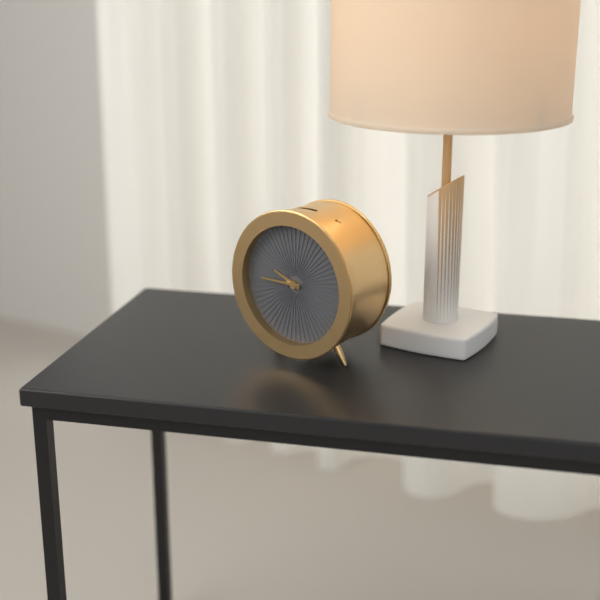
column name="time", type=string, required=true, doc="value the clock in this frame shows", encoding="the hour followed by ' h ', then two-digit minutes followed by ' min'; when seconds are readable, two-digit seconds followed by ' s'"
9 h 45 min
